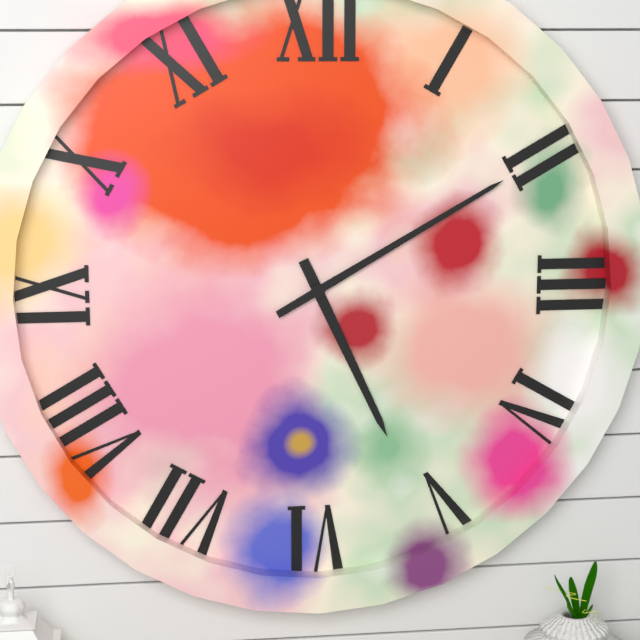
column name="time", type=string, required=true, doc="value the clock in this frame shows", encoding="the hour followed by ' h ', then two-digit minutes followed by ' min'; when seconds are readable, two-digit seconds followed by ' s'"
5 h 10 min
